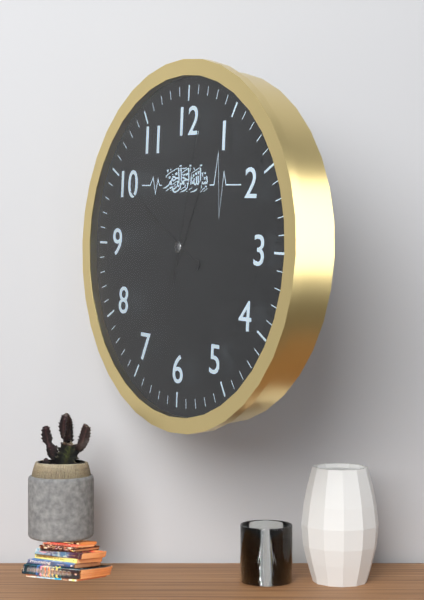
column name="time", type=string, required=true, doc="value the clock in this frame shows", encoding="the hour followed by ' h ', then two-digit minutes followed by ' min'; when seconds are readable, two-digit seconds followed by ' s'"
12 h 50 min 02 s
